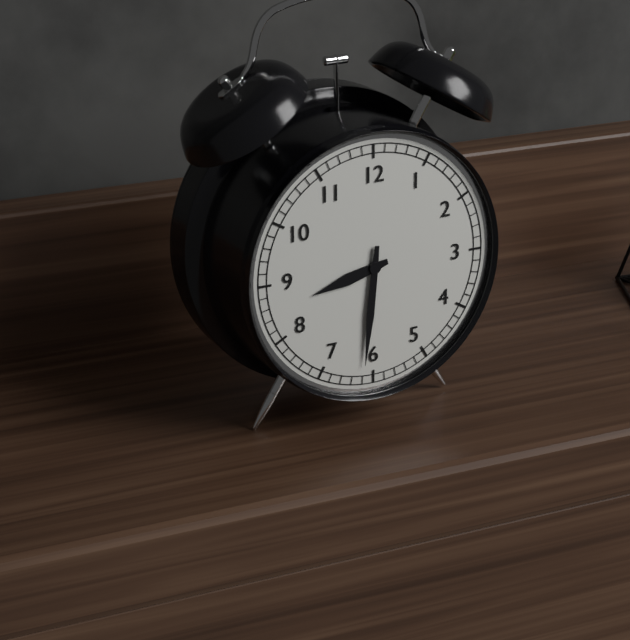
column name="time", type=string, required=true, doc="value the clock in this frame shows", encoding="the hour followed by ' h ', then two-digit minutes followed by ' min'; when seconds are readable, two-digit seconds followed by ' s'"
8 h 31 min
